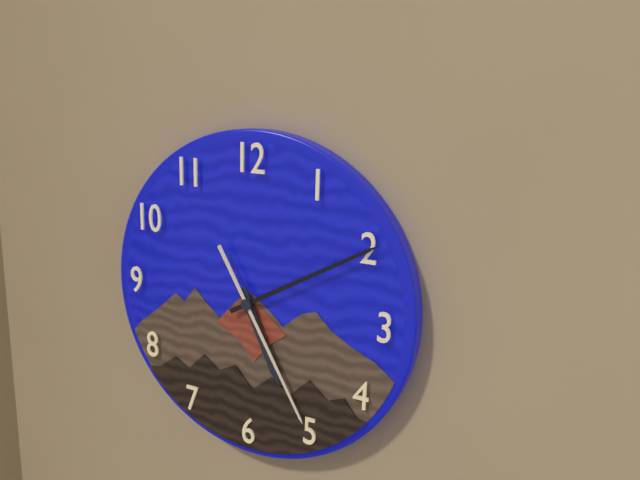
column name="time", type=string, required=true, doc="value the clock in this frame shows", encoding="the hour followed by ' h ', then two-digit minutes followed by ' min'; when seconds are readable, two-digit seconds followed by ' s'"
5 h 10 min 25 s
